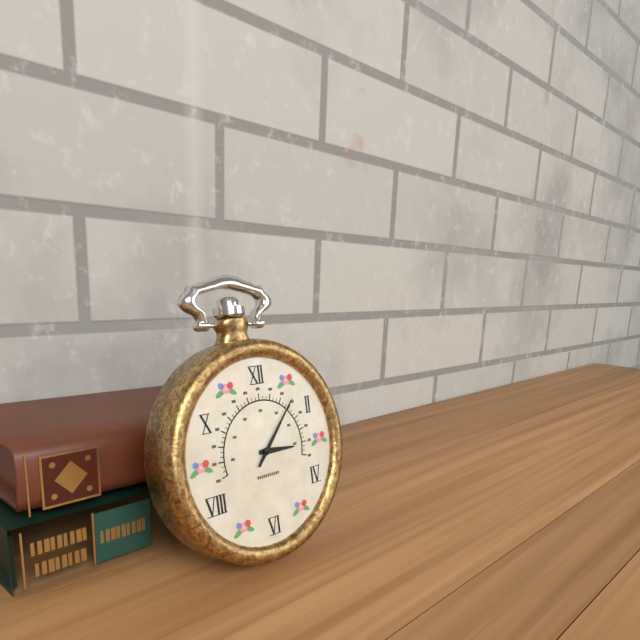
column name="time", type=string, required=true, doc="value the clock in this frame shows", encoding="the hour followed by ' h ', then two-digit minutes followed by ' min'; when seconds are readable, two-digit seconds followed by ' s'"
3 h 07 min
